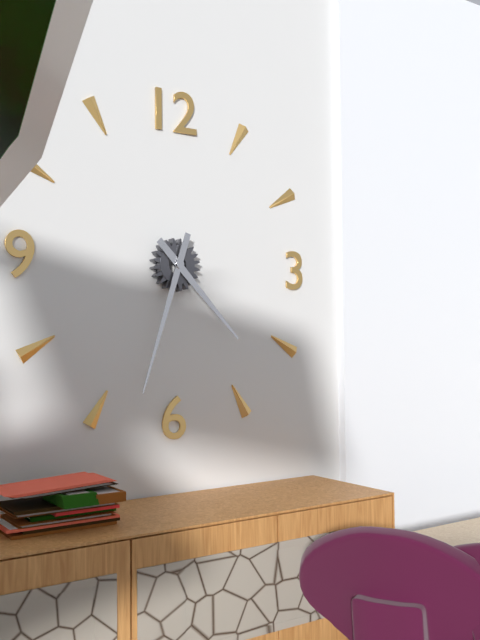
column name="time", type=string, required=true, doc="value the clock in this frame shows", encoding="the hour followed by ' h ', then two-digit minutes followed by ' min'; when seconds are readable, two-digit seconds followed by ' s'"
4 h 33 min
